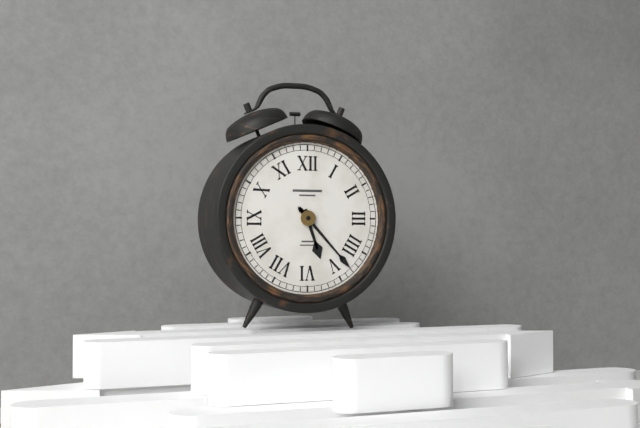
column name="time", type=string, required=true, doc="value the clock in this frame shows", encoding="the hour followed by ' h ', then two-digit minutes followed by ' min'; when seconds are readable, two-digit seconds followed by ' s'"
5 h 23 min
